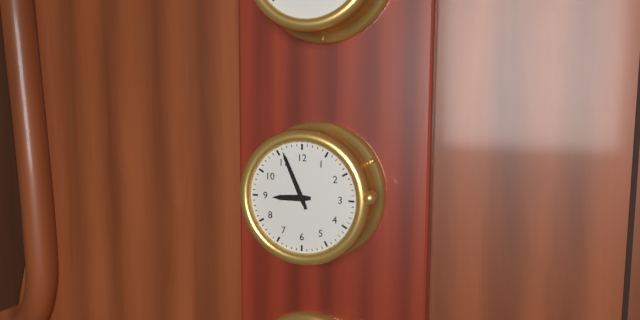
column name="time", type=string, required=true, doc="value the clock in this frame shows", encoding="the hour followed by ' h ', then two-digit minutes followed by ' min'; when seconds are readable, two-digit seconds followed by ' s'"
8 h 56 min
